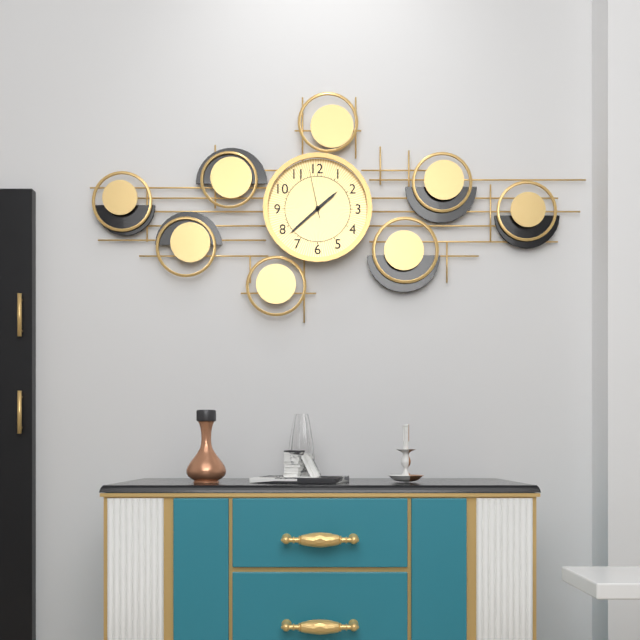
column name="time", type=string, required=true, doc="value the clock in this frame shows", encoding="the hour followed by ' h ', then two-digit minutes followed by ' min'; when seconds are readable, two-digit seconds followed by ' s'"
1 h 38 min 58 s
